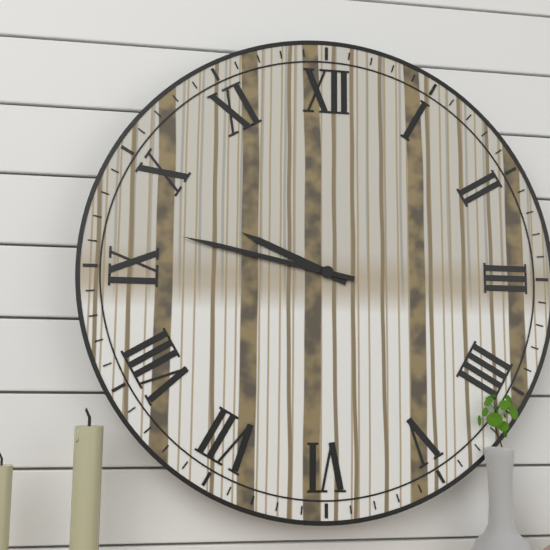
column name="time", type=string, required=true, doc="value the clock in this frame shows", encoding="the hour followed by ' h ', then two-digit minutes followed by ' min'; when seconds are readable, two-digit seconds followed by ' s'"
9 h 47 min
